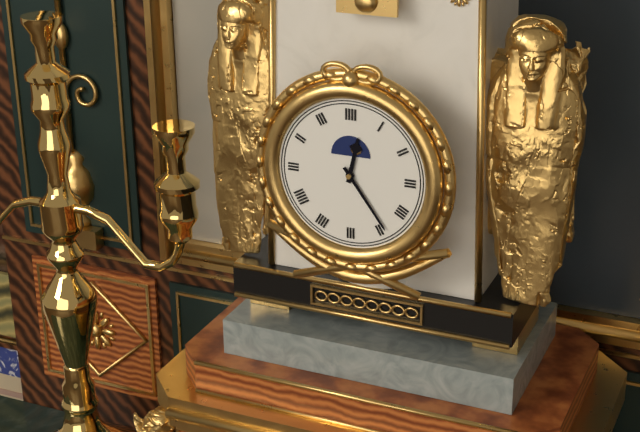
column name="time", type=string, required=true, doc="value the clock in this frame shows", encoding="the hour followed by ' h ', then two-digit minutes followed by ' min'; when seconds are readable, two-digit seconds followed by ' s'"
12 h 24 min
